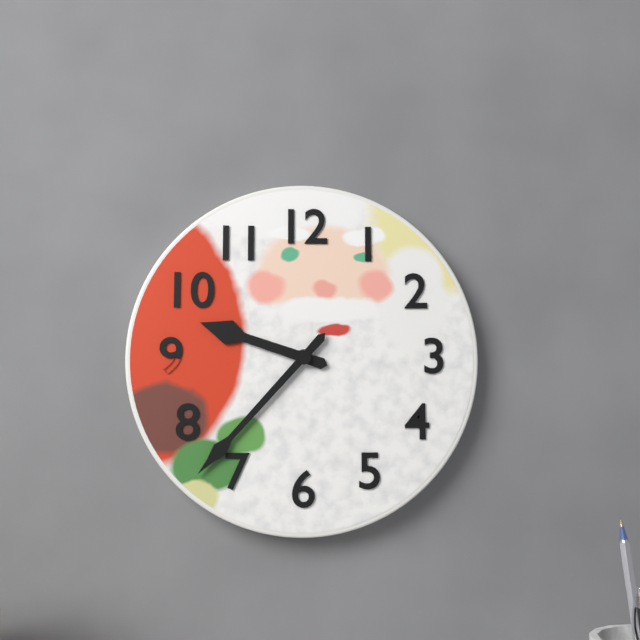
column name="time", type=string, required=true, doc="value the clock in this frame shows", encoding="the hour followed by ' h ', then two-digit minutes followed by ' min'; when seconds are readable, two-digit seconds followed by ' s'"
9 h 37 min
